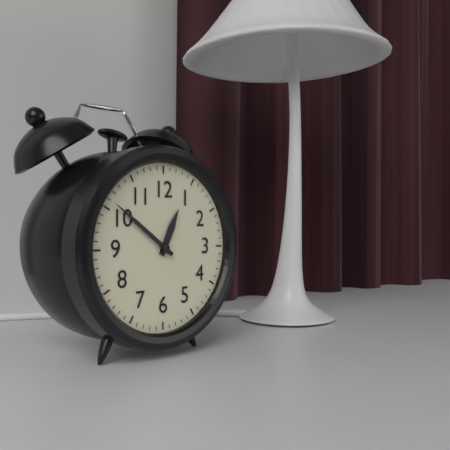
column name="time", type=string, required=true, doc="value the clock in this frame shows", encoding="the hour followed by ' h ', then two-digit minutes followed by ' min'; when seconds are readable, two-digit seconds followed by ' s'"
12 h 51 min
